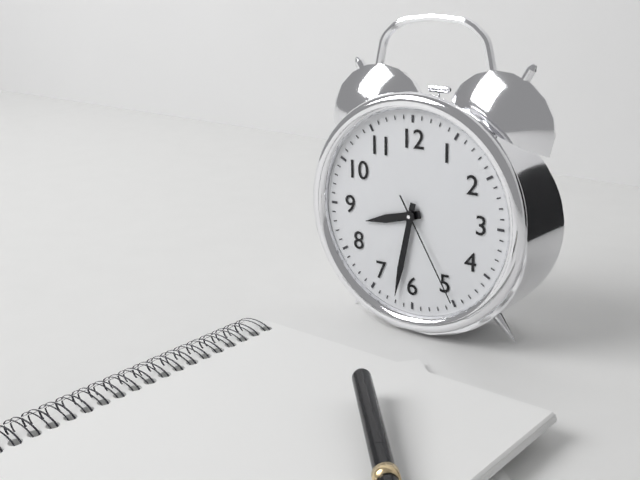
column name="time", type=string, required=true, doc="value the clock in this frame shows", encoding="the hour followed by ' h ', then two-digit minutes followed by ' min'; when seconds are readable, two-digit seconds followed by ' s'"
8 h 32 min 25 s
